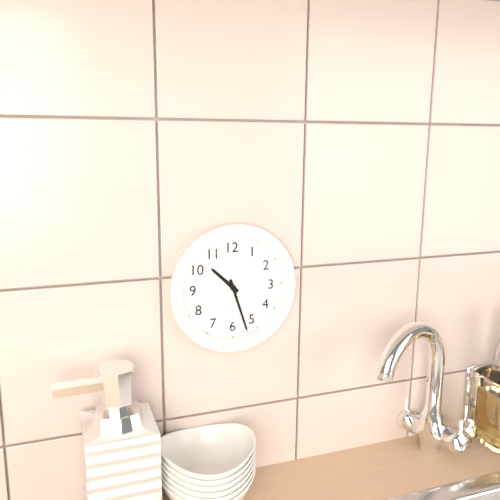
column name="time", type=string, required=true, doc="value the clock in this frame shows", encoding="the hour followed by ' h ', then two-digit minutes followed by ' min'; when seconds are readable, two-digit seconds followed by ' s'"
10 h 27 min
